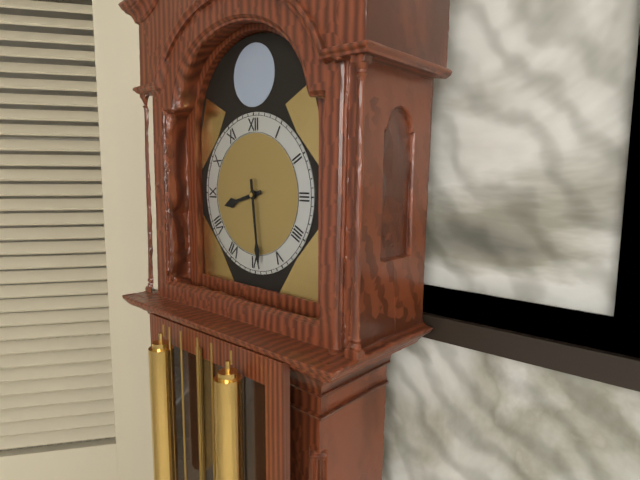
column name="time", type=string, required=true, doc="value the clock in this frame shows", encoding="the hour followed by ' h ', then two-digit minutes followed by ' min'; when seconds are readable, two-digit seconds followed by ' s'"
8 h 29 min
